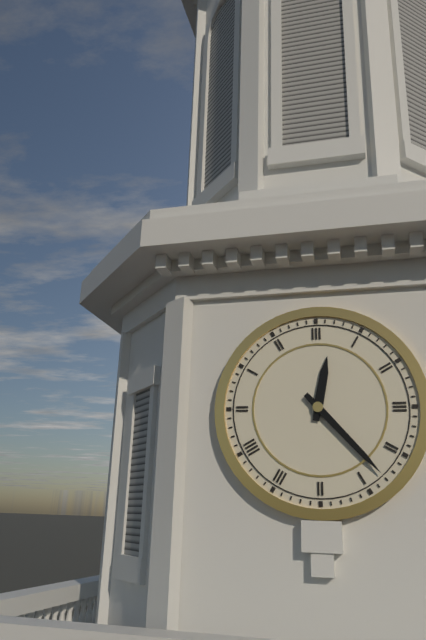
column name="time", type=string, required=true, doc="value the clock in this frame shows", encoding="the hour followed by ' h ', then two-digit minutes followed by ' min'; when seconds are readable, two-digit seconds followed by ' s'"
12 h 23 min
